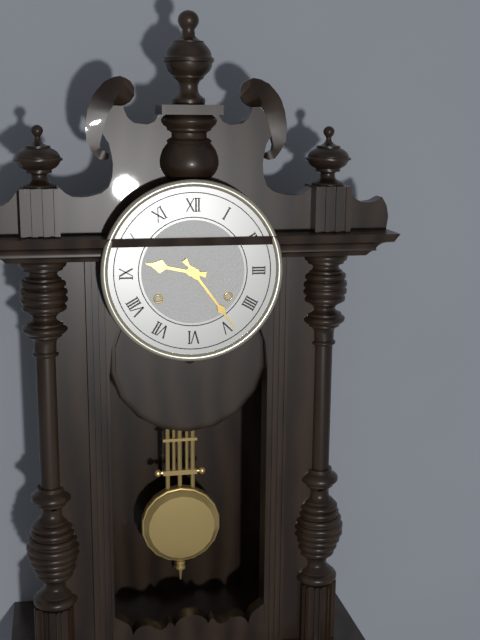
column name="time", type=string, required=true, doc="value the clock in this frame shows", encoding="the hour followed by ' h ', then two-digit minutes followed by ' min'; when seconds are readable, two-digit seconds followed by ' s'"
9 h 24 min
